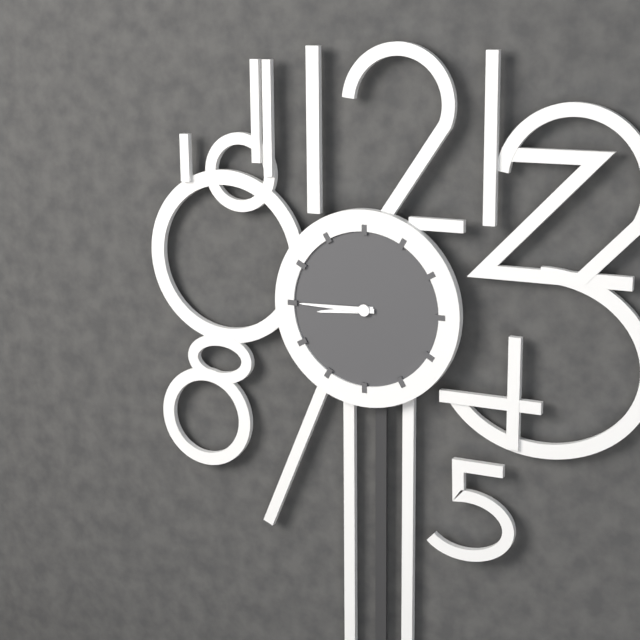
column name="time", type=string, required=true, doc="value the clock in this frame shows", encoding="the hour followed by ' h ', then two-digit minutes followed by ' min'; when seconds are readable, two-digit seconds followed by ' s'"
8 h 45 min
